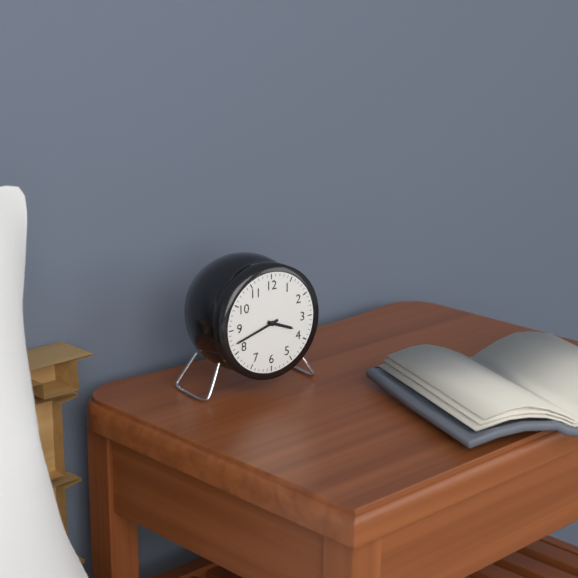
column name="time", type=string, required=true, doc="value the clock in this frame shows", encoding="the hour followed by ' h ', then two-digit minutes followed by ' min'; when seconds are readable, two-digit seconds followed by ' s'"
3 h 42 min
